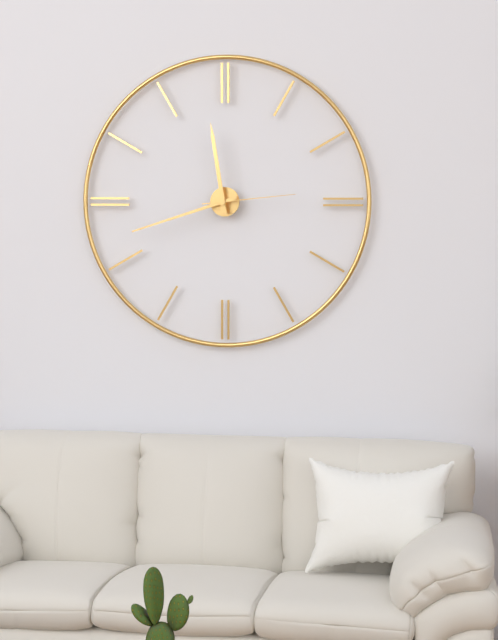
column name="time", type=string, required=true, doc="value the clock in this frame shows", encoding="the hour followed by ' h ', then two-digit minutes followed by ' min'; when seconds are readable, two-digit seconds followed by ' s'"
11 h 42 min 14 s
